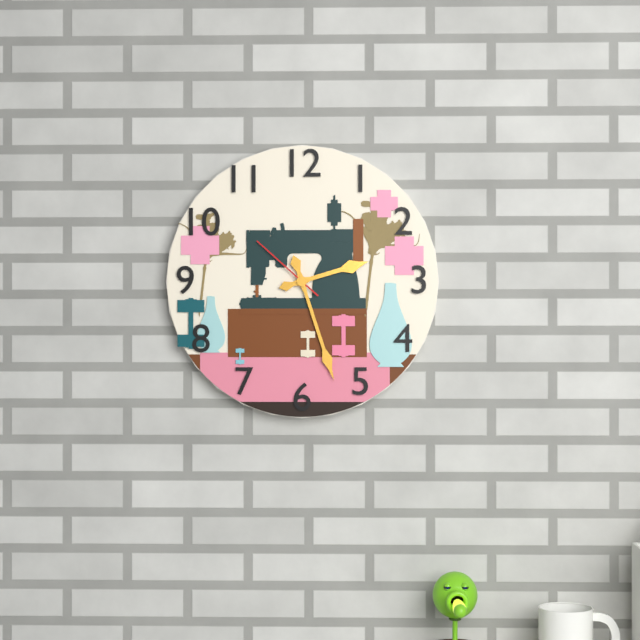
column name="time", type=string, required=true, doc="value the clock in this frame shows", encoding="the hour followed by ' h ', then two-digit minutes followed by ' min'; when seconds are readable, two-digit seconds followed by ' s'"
2 h 27 min 52 s
